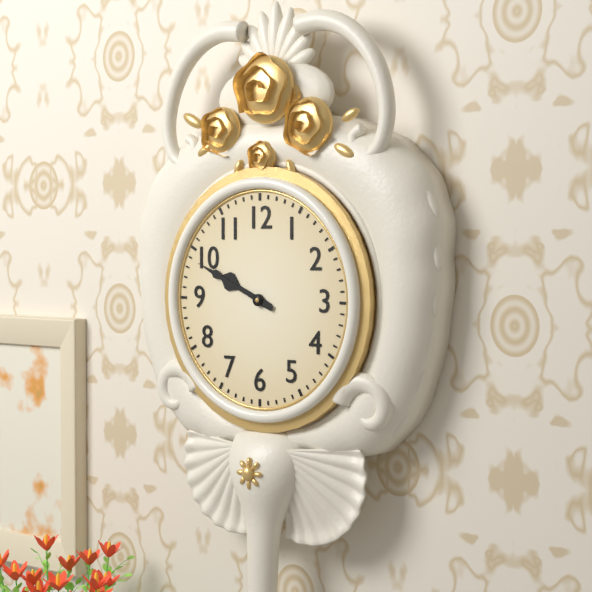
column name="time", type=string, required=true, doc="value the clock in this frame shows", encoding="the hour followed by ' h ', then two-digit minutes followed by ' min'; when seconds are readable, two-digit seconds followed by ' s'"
9 h 49 min
